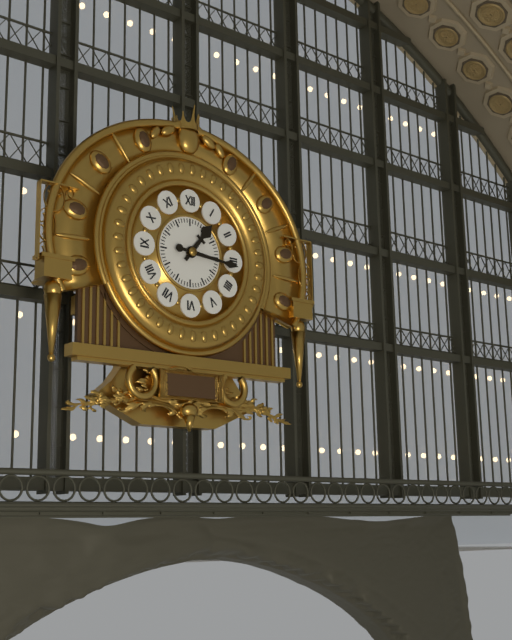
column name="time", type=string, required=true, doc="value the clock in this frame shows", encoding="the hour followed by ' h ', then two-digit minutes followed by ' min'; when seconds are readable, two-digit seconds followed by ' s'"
1 h 16 min
